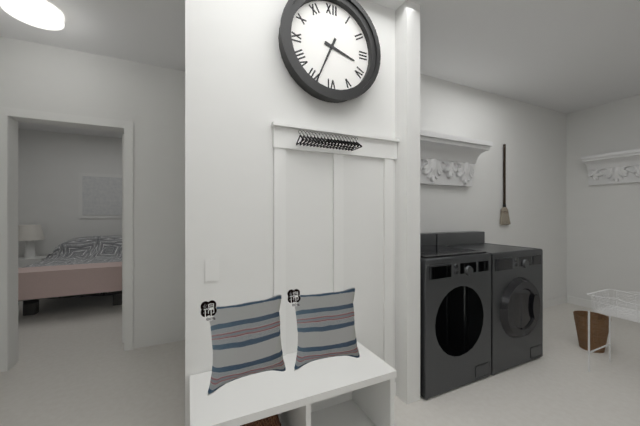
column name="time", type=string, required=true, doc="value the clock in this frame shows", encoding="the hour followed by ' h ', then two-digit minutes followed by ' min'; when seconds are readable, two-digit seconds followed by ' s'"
3 h 34 min
